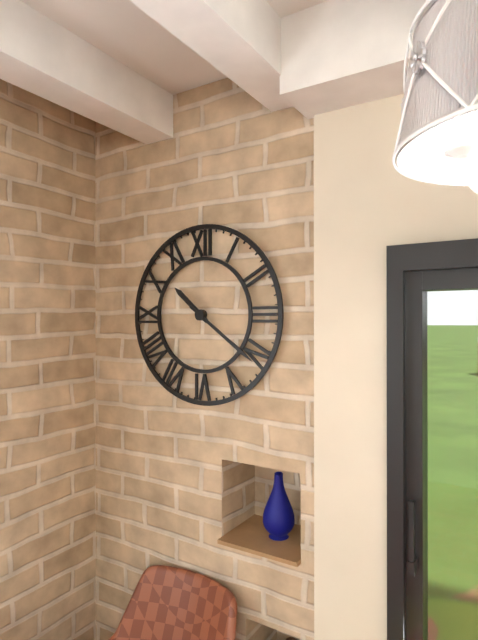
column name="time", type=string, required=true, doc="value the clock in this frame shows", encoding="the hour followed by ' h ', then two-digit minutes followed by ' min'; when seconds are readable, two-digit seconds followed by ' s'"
10 h 21 min
